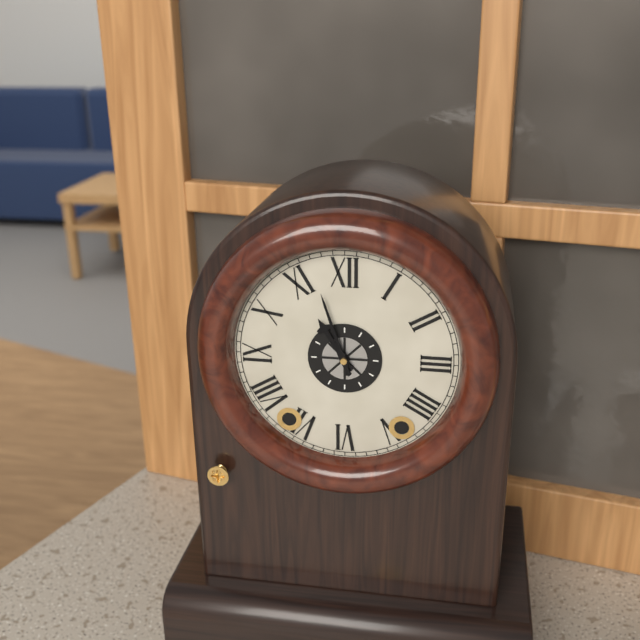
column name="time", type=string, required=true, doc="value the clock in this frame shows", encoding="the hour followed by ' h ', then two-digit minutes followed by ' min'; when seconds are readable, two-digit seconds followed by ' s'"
10 h 57 min
